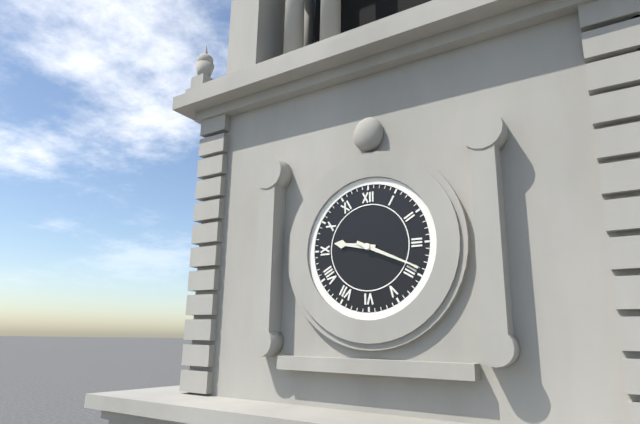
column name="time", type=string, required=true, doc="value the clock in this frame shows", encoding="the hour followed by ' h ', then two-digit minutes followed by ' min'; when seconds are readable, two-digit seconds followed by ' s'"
9 h 19 min
